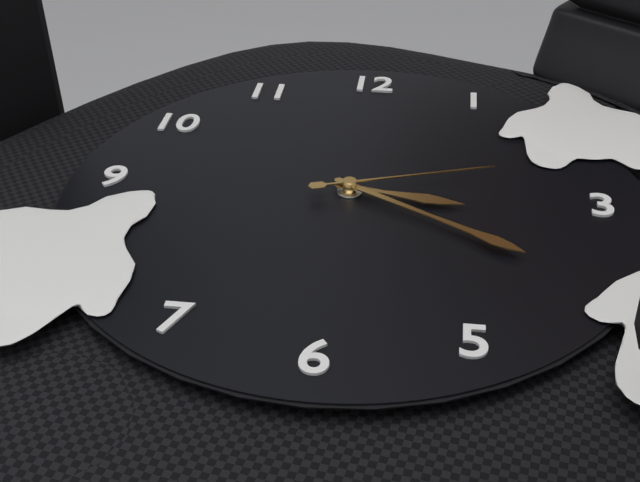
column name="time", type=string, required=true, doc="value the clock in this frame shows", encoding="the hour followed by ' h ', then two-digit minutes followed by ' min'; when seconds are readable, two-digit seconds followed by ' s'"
3 h 20 min 12 s
